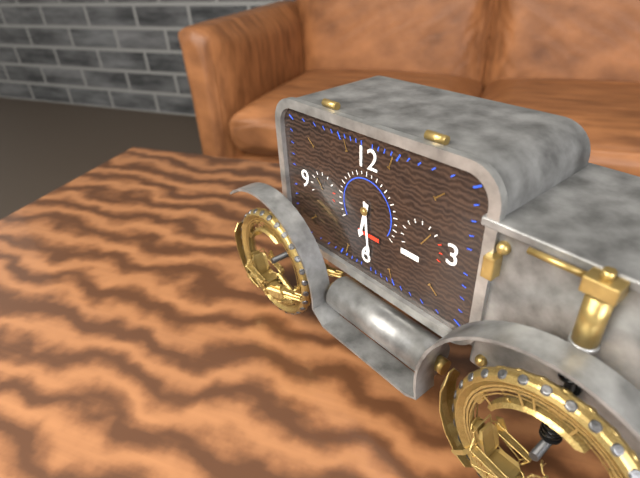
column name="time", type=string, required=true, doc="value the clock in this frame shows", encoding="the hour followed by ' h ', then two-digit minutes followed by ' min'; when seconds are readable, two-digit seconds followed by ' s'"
6 h 29 min
